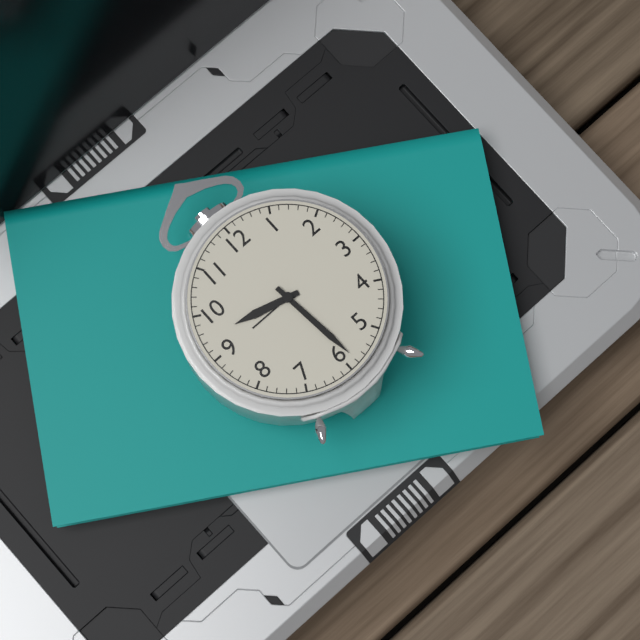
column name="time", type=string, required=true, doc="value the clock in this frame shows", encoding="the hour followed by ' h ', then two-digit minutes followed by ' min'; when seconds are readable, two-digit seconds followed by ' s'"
9 h 29 min
